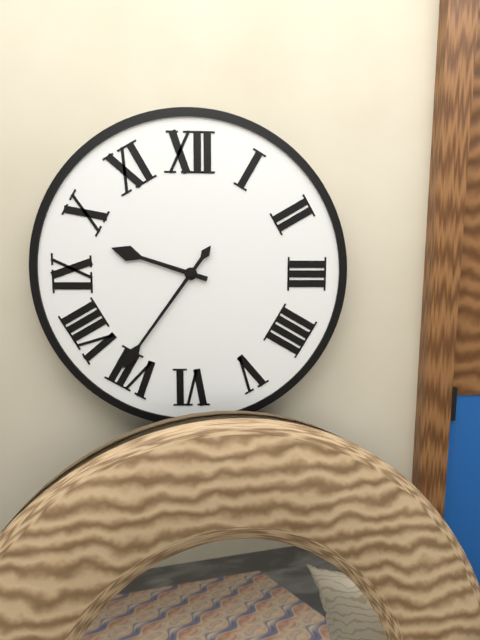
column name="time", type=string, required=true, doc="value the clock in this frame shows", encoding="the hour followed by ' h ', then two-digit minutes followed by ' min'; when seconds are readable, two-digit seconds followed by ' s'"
9 h 36 min
